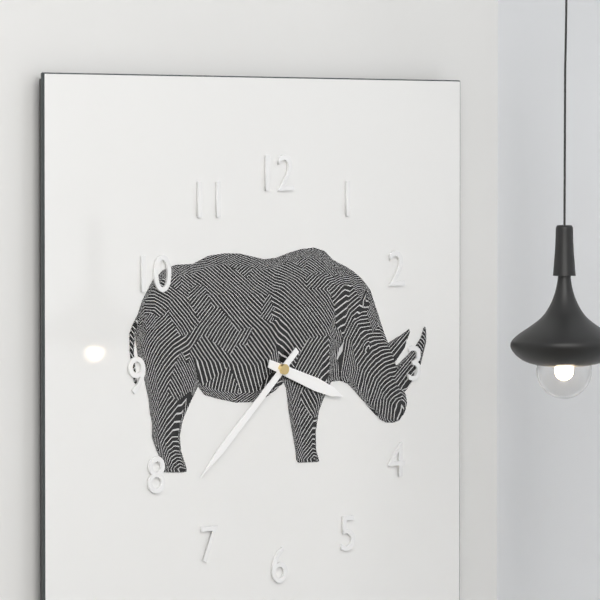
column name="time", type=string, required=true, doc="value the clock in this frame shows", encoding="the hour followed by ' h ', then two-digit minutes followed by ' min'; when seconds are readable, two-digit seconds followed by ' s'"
3 h 38 min
